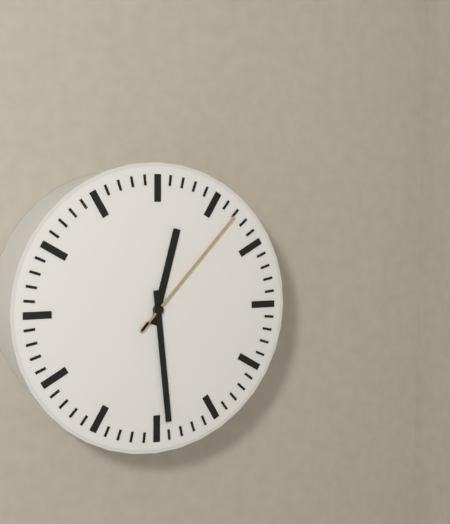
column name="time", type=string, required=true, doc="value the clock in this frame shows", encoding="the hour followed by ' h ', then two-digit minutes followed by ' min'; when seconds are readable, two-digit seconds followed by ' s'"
12 h 29 min 07 s
